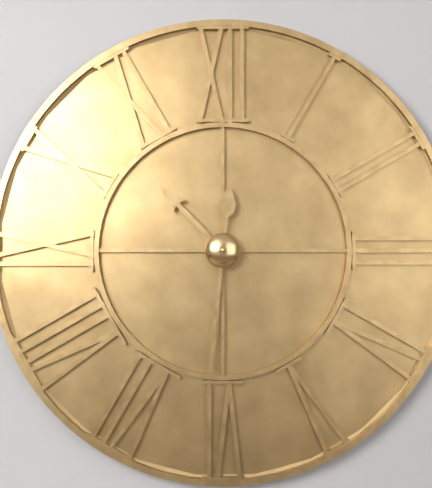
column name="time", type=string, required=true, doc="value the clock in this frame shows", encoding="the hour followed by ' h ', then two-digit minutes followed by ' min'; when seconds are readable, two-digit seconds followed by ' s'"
10 h 31 min
